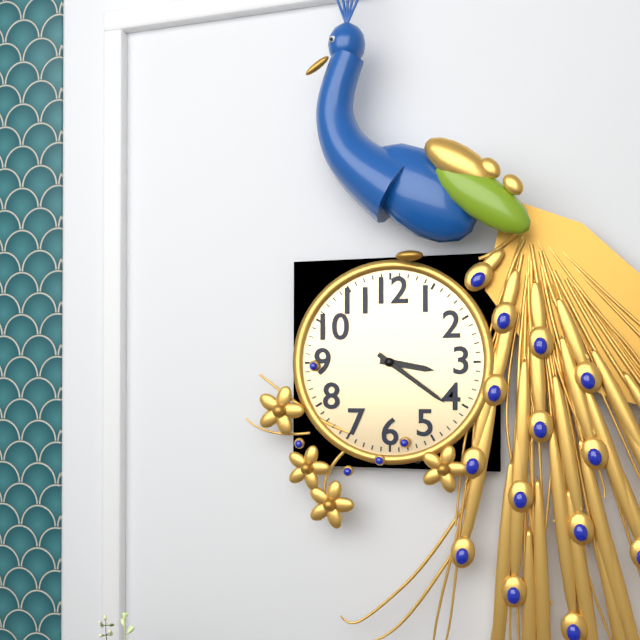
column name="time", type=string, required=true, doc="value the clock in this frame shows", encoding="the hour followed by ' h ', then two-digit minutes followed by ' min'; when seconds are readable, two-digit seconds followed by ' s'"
3 h 21 min
